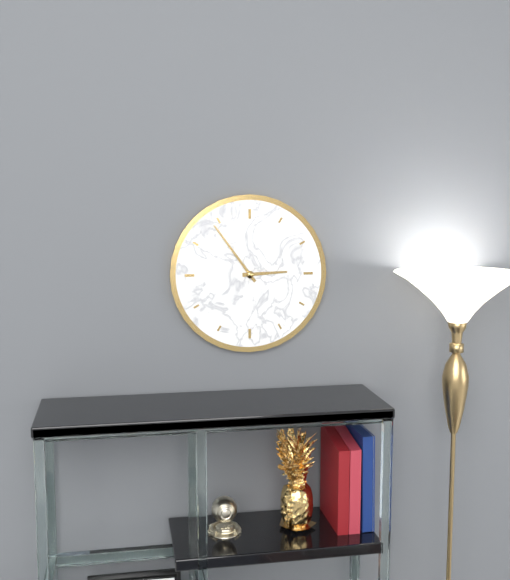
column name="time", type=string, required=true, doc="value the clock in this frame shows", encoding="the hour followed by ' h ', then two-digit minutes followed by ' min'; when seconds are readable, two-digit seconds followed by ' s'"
2 h 54 min
